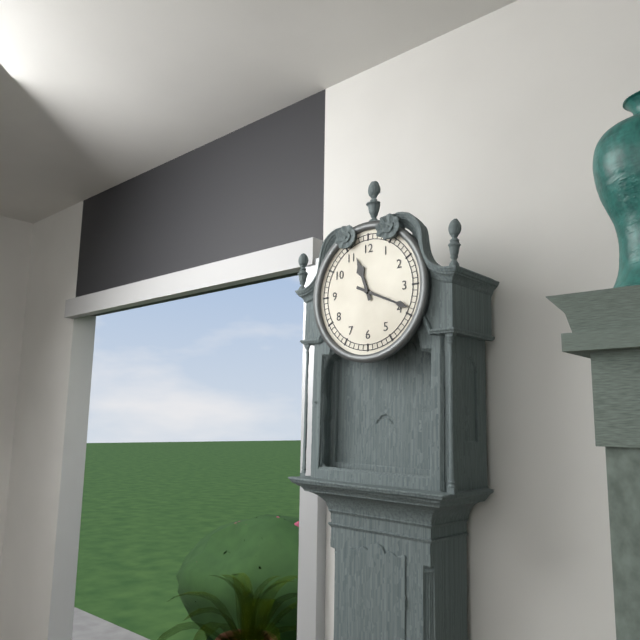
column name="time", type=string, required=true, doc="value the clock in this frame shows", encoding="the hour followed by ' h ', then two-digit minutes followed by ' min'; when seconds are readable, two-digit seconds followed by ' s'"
11 h 19 min
